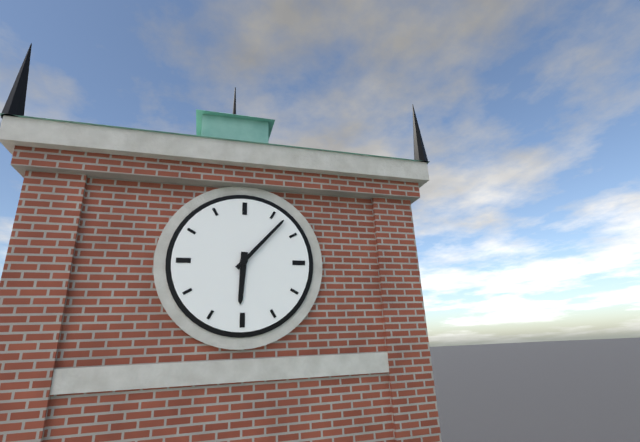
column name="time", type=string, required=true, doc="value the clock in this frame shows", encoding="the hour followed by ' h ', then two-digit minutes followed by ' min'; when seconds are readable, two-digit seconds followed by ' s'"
6 h 07 min
